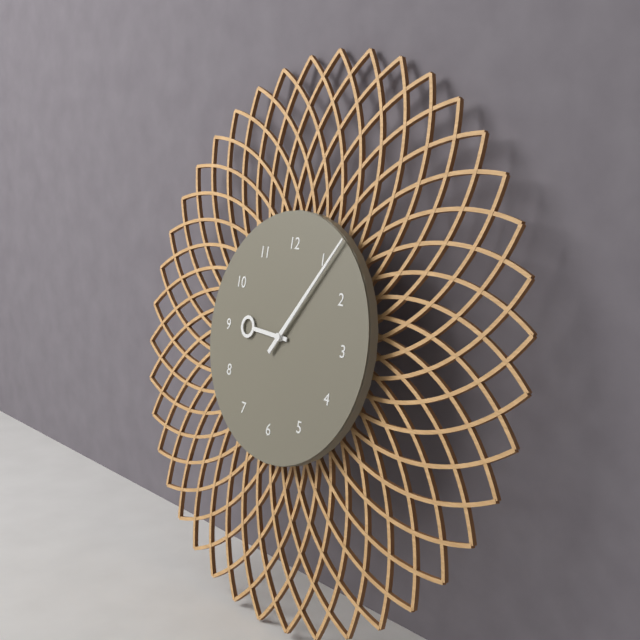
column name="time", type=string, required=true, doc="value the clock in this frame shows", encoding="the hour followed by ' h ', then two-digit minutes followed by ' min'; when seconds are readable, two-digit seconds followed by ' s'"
9 h 06 min
